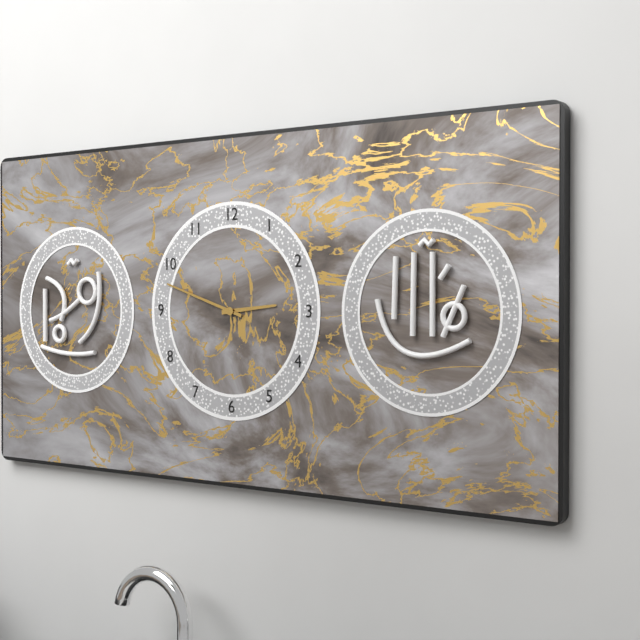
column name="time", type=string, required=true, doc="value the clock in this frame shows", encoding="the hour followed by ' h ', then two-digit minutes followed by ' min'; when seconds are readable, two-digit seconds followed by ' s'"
2 h 48 min
